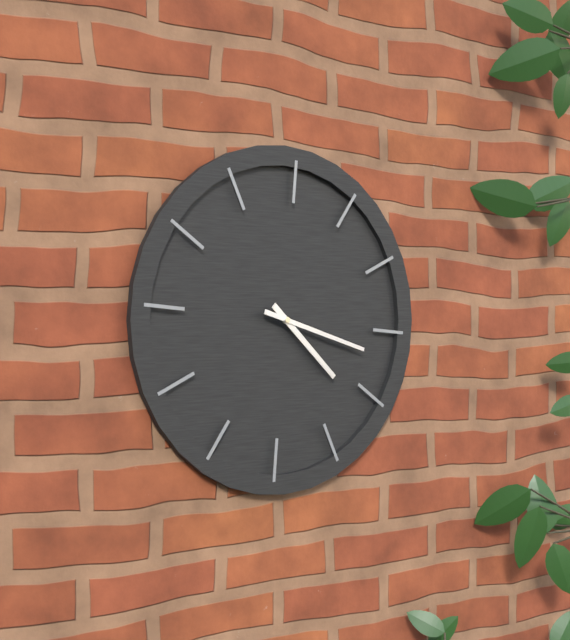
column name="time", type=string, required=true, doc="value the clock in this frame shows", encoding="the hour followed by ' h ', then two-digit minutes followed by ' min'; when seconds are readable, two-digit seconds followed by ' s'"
4 h 17 min
